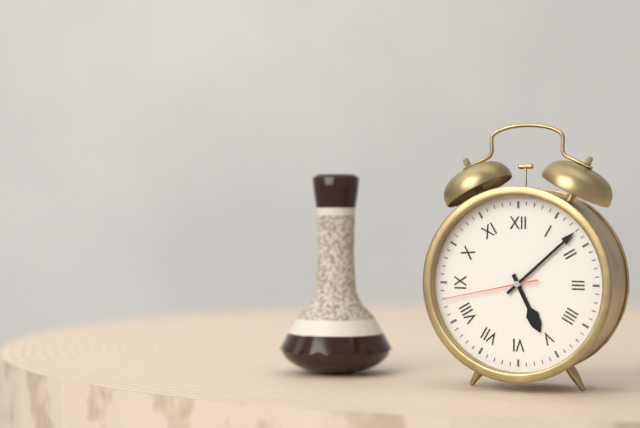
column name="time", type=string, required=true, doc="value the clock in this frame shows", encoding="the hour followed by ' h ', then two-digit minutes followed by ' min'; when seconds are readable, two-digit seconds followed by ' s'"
5 h 08 min 43 s
